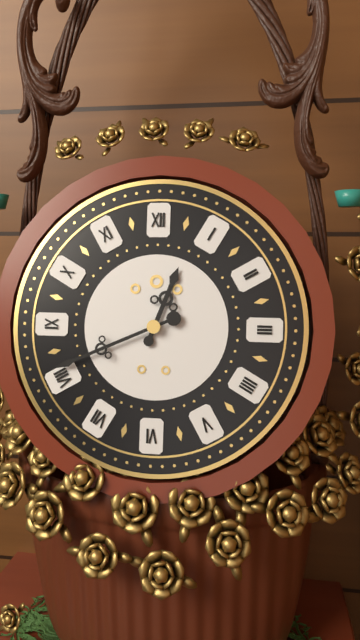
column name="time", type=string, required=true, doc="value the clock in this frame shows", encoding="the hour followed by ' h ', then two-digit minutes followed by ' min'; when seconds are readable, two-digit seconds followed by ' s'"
12 h 41 min
